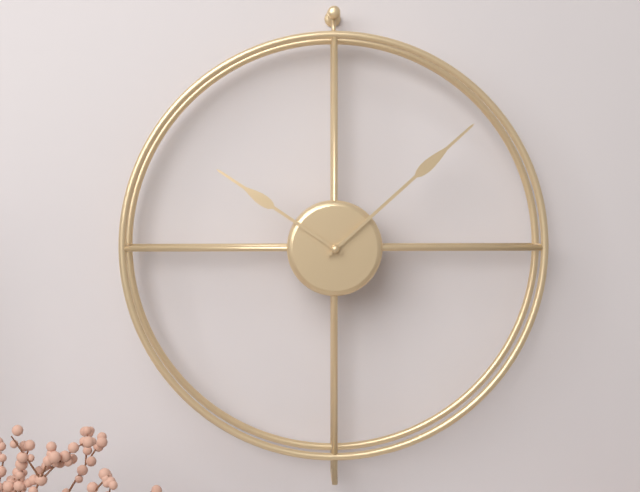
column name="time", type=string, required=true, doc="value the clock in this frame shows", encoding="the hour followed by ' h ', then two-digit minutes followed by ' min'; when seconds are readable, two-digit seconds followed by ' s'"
10 h 08 min
